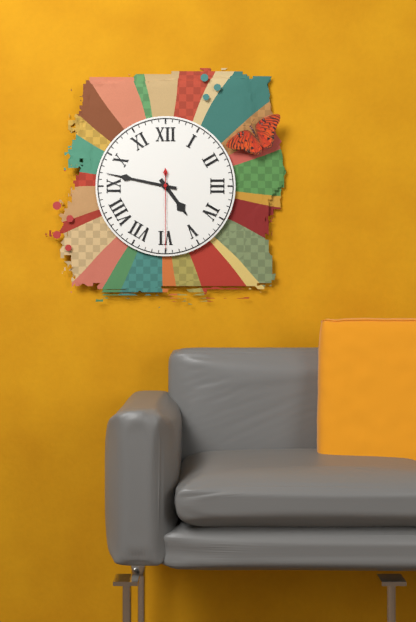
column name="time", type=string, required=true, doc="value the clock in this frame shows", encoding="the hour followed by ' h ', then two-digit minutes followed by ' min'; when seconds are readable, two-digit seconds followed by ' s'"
4 h 47 min 30 s
